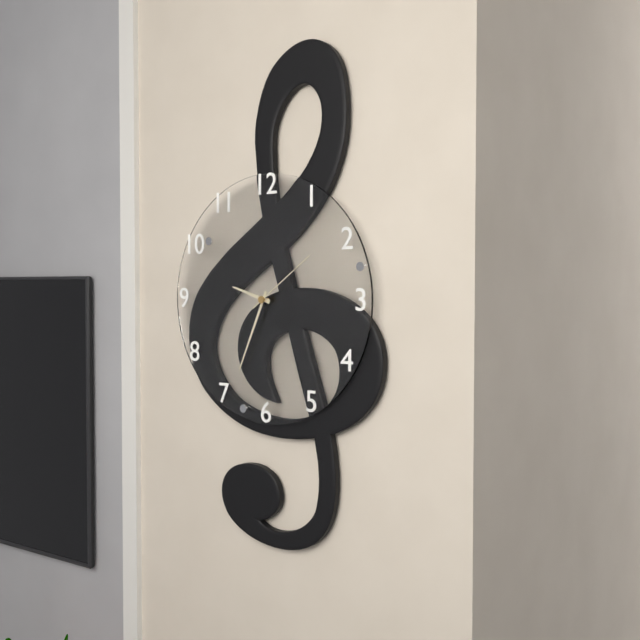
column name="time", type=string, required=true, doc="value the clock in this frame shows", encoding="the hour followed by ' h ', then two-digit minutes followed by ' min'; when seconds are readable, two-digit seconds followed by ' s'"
9 h 34 min 09 s
